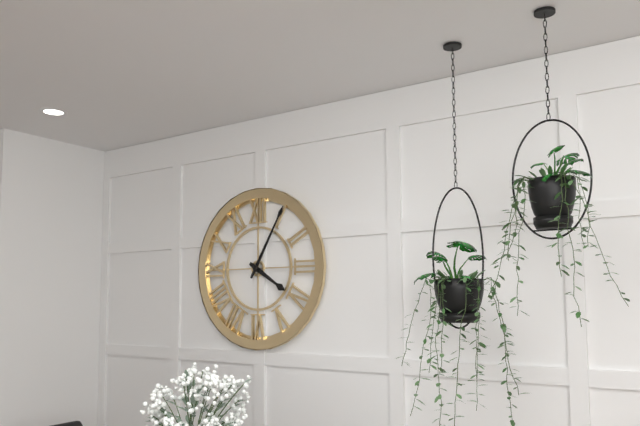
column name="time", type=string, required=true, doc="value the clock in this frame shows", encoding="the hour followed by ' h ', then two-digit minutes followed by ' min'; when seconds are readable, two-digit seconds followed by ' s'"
4 h 05 min
